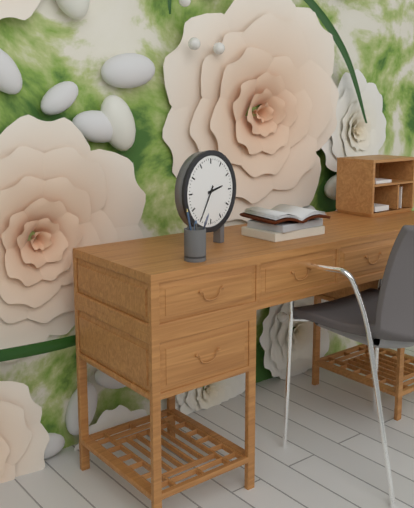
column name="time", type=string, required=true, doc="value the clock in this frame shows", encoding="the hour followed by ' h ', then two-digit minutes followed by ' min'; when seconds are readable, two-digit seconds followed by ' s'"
2 h 35 min
